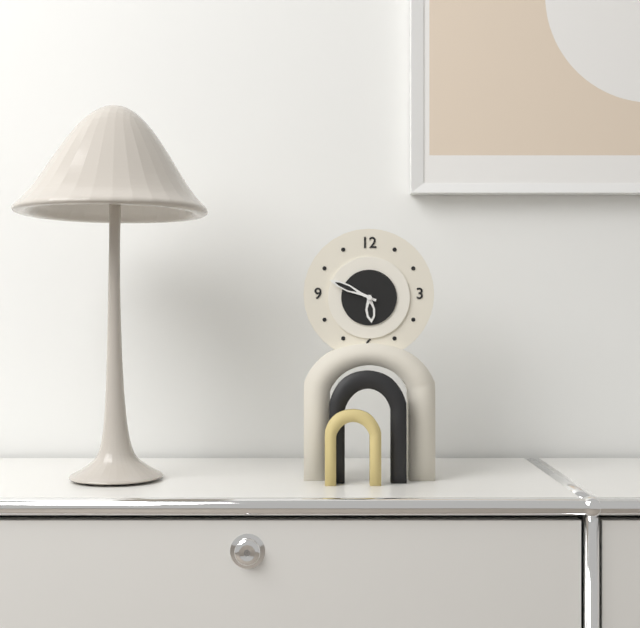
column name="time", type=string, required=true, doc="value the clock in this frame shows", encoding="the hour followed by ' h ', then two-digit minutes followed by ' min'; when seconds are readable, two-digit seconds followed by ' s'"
5 h 49 min
